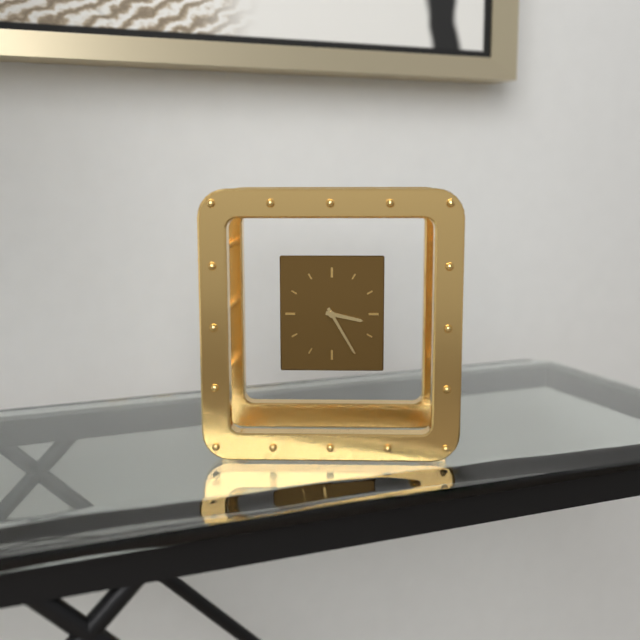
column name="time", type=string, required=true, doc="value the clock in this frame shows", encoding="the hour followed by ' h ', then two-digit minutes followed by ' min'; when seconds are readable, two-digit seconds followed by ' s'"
3 h 25 min
